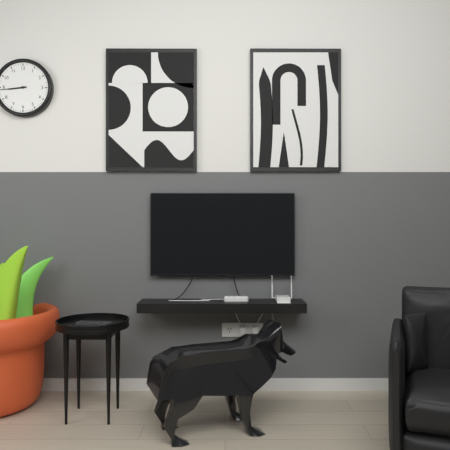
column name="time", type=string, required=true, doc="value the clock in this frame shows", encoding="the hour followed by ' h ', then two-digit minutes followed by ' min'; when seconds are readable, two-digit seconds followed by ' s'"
8 h 44 min
